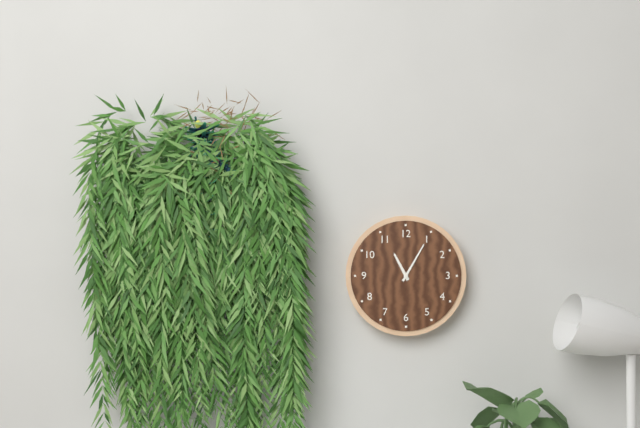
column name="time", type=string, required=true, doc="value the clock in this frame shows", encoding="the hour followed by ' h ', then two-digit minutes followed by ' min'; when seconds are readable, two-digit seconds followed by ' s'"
11 h 05 min
